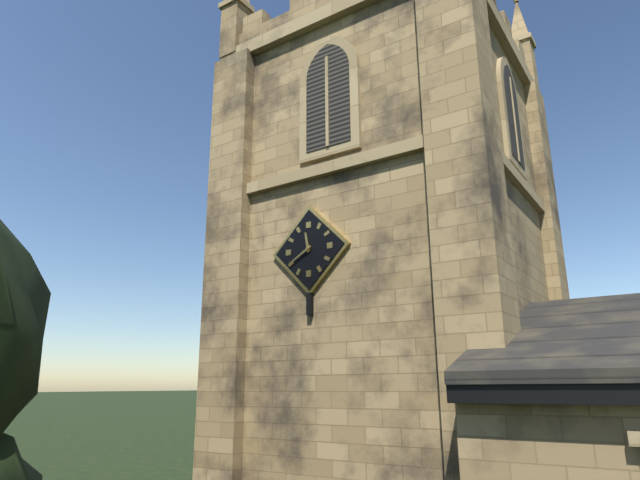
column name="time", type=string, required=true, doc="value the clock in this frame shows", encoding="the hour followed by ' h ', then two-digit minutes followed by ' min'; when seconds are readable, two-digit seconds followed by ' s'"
11 h 40 min
